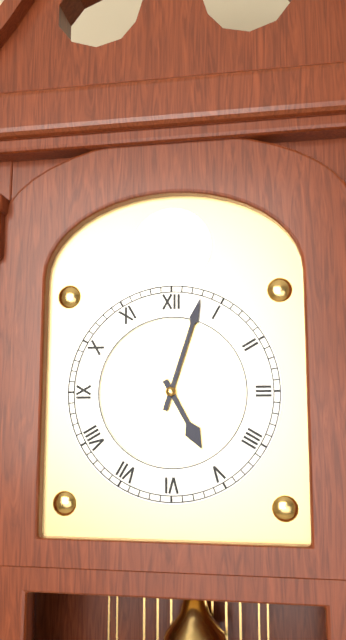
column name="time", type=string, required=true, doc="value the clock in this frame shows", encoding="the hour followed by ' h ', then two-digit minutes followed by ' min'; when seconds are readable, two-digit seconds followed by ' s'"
5 h 03 min
